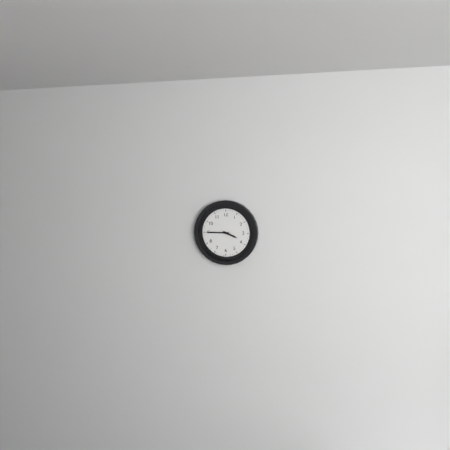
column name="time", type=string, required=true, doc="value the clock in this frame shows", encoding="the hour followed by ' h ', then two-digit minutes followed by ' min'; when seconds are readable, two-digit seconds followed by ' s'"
3 h 45 min
